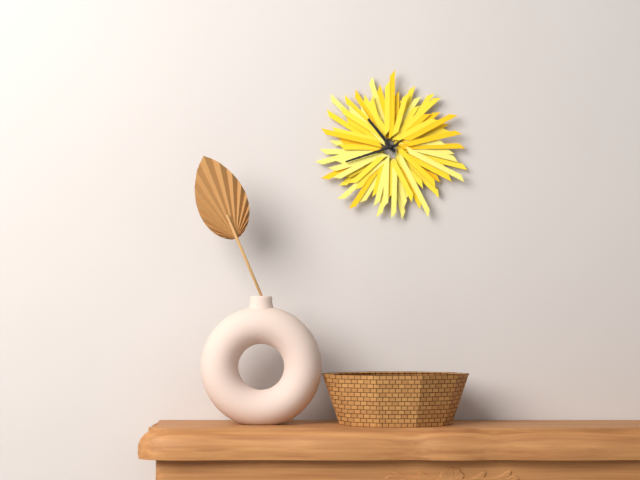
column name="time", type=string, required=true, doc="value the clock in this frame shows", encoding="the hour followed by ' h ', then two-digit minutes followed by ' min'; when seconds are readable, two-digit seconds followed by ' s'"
10 h 42 min
